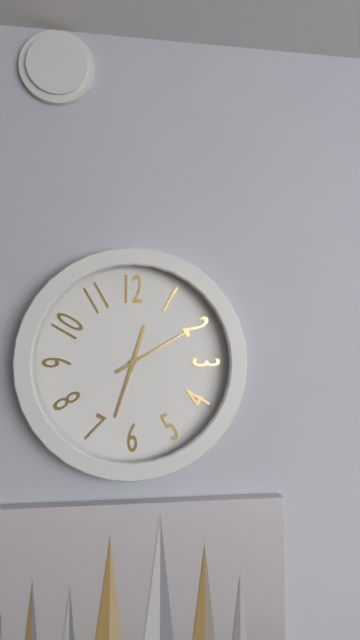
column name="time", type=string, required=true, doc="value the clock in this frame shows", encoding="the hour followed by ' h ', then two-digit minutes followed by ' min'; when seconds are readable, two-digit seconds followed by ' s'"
12 h 33 min 10 s
